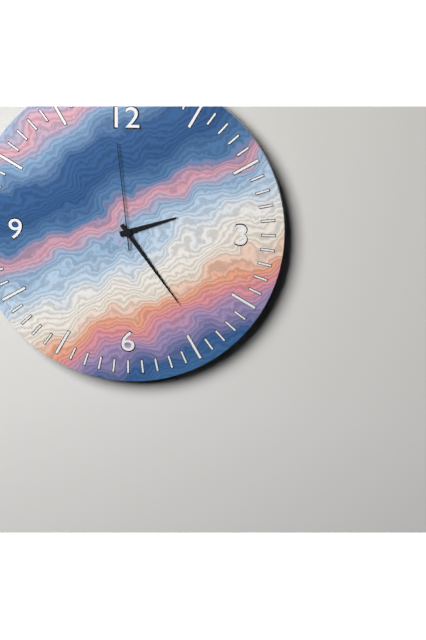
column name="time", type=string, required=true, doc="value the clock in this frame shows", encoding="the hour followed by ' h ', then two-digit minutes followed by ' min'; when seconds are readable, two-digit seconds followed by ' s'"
2 h 24 min 59 s
